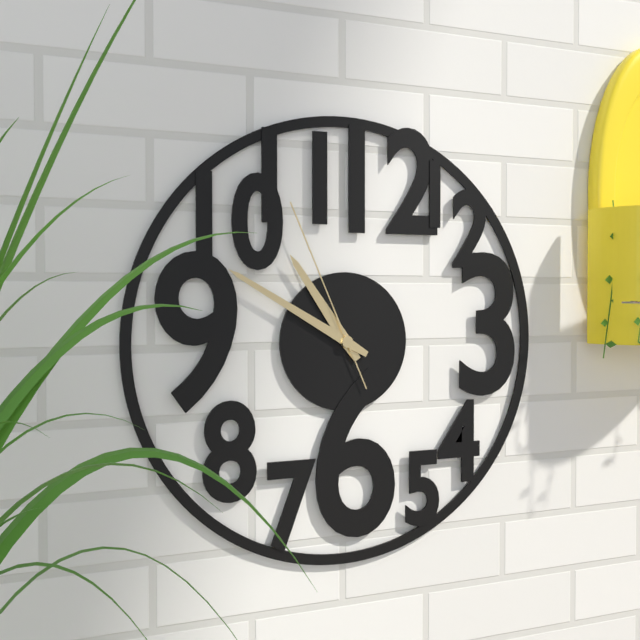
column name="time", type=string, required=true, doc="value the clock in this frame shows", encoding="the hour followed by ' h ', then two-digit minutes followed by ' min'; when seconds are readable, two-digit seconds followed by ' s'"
10 h 50 min 56 s
